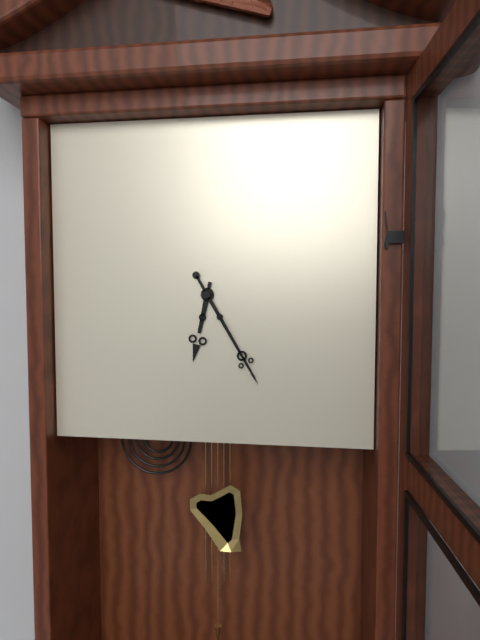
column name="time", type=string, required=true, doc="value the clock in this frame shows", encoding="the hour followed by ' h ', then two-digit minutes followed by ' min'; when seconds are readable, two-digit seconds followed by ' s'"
6 h 25 min
